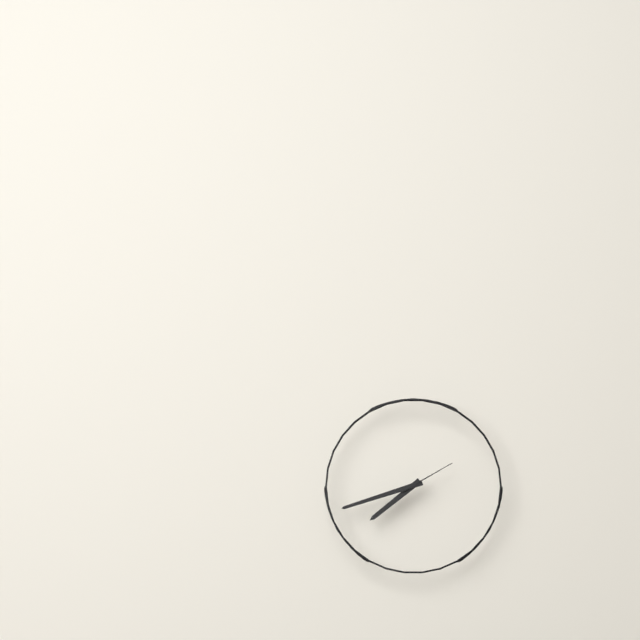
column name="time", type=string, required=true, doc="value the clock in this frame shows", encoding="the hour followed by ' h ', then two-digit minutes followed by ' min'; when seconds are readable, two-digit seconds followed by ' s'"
7 h 42 min 10 s
